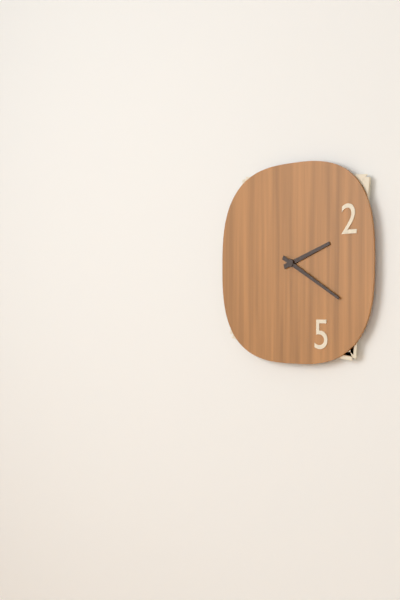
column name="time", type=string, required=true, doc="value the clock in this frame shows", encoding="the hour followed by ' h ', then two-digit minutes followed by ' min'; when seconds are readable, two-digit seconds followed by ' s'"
2 h 20 min
